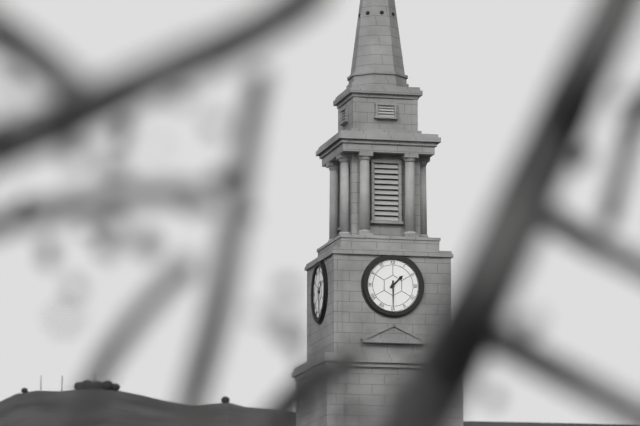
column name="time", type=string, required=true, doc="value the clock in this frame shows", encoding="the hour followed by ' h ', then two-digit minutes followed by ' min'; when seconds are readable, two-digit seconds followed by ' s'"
1 h 30 min
